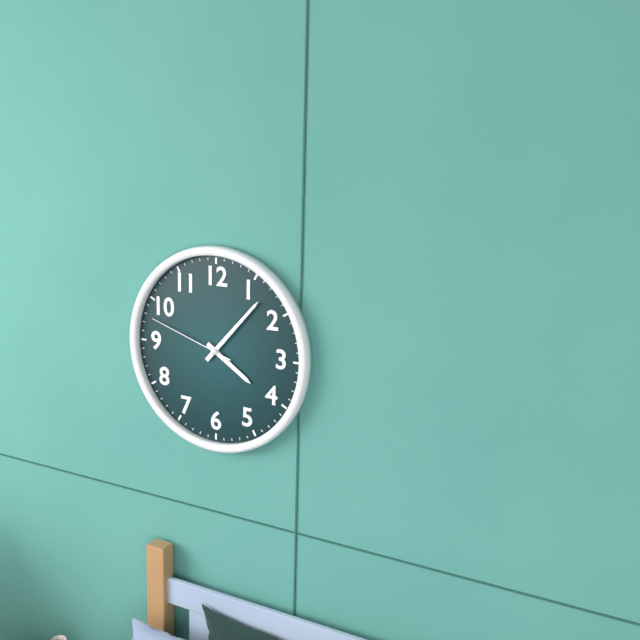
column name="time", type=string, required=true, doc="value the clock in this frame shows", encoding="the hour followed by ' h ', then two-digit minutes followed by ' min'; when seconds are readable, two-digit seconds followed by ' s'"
4 h 07 min 48 s
